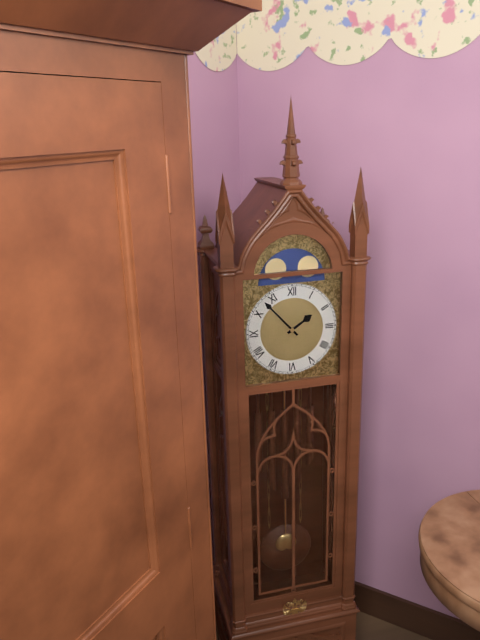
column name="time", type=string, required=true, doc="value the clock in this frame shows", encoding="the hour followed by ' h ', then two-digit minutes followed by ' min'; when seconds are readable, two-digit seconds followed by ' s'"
1 h 53 min
